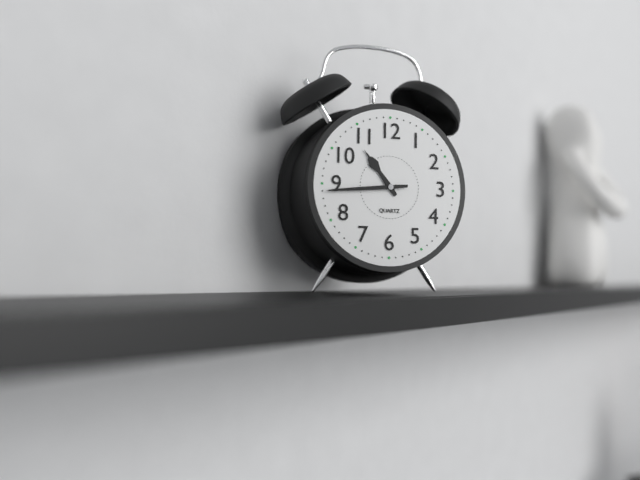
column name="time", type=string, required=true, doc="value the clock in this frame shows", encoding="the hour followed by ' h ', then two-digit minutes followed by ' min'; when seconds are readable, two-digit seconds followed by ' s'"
10 h 44 min
